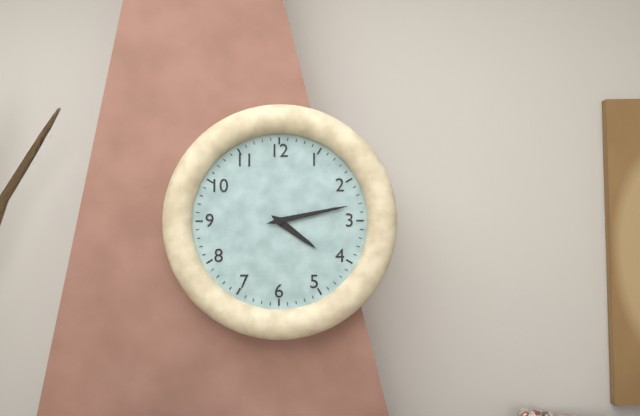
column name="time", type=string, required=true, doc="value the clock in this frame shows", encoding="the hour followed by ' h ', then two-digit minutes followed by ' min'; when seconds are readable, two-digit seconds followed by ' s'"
4 h 13 min
